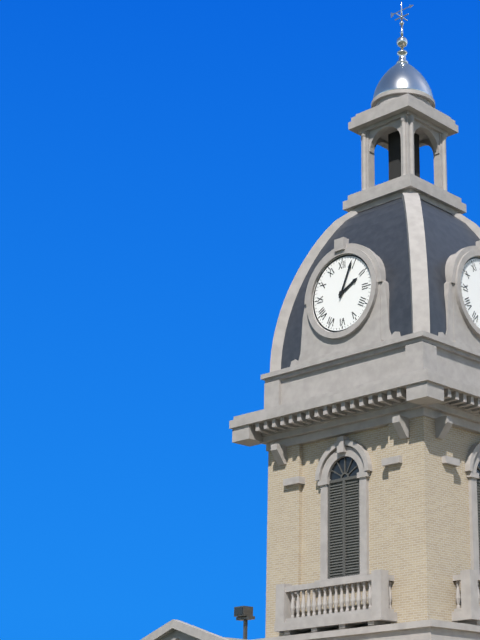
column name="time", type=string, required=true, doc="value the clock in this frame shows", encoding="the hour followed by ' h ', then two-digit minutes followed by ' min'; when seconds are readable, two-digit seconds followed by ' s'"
2 h 04 min
